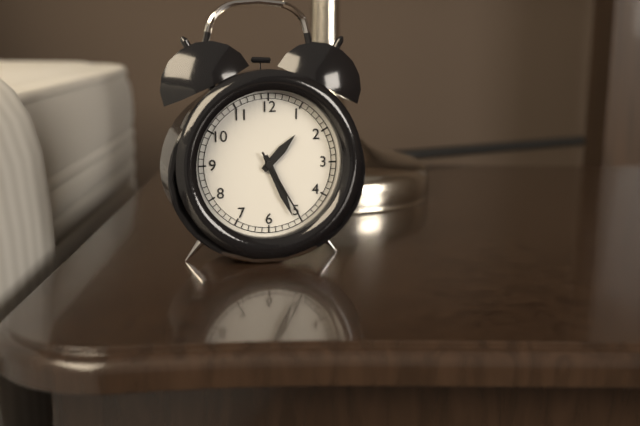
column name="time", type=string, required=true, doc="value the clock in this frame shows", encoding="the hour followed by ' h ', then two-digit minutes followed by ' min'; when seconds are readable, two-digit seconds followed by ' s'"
1 h 26 min 25 s
